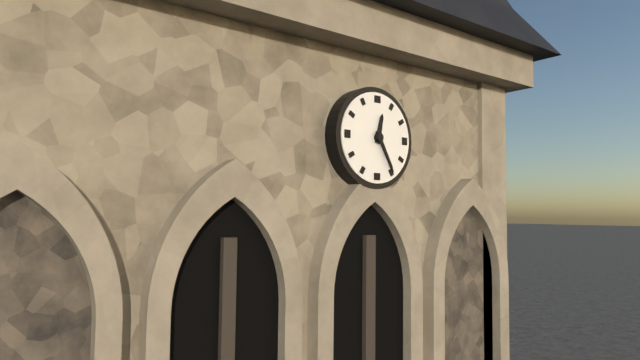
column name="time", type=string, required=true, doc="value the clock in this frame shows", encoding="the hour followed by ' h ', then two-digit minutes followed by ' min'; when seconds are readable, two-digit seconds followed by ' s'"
12 h 25 min
